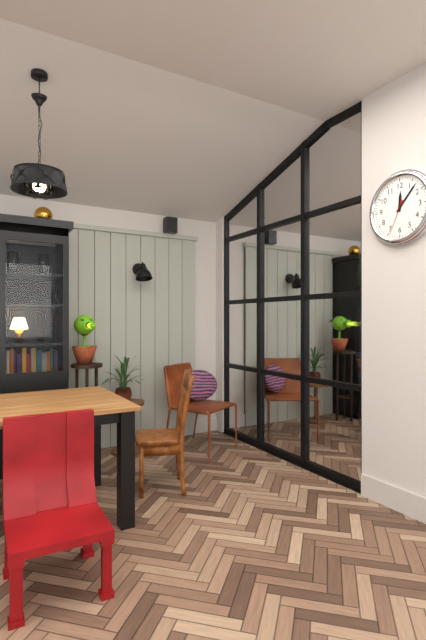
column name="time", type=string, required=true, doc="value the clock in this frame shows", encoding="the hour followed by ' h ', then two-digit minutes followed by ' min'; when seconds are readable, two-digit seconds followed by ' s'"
12 h 07 min
